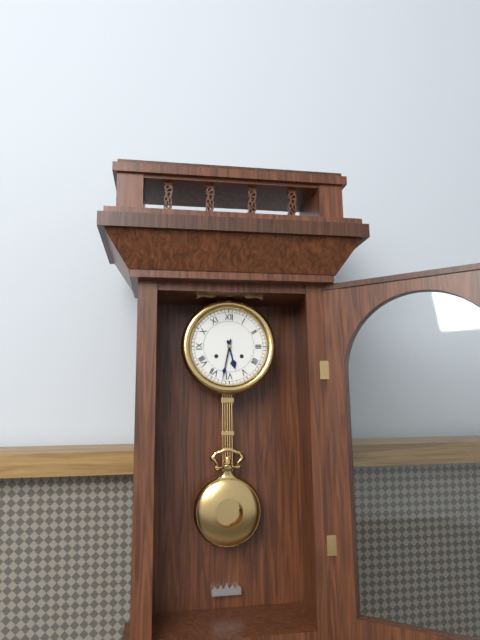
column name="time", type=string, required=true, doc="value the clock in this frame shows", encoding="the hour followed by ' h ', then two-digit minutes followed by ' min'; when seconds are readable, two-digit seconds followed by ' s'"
5 h 32 min
